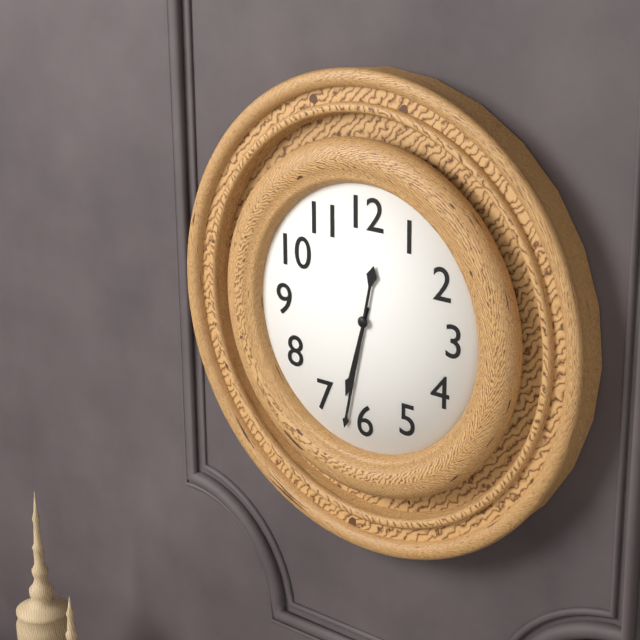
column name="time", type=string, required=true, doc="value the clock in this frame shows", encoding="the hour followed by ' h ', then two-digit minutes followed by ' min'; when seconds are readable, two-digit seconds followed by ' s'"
6 h 32 min
